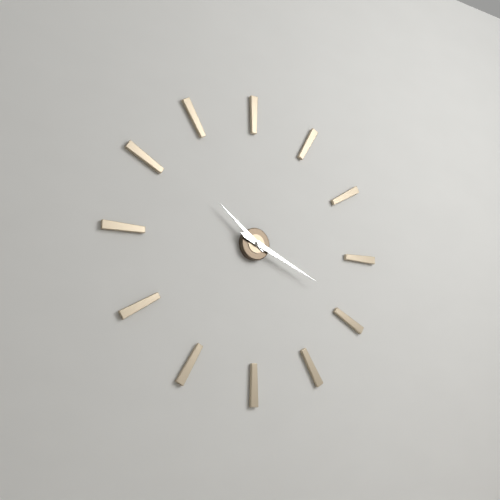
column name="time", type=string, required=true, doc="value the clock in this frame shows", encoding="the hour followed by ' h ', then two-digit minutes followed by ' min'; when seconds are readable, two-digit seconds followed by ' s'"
10 h 19 min
